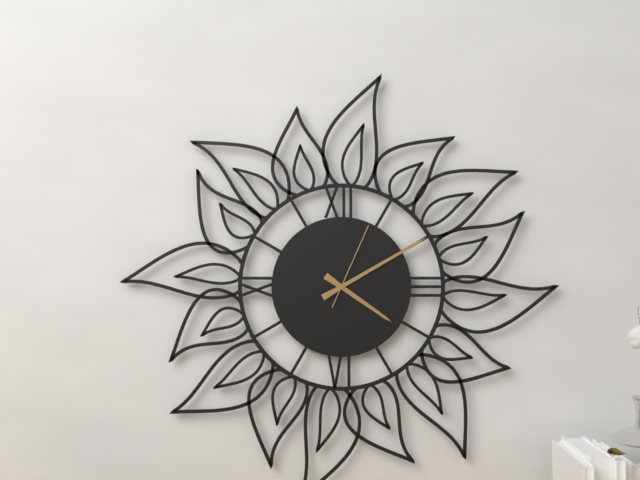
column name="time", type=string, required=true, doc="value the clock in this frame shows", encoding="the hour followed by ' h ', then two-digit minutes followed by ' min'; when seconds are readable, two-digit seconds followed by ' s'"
4 h 10 min 04 s
